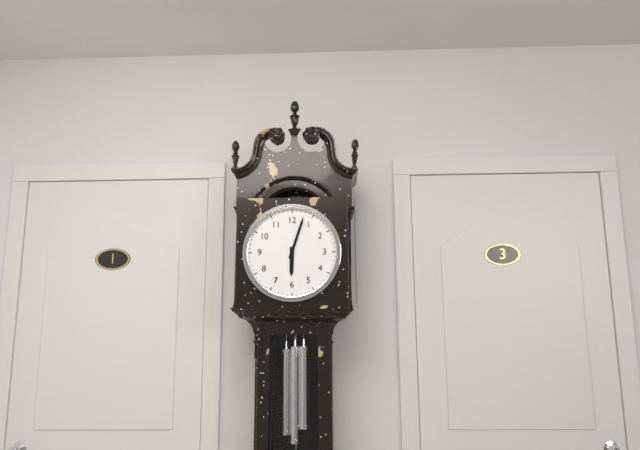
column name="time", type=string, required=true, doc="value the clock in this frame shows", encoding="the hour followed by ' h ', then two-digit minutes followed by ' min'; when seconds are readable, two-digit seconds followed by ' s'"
6 h 03 min
